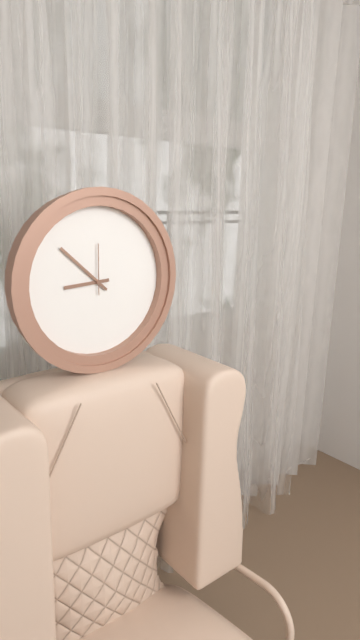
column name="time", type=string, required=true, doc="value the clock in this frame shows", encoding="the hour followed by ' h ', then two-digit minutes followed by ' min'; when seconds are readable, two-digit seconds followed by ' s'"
8 h 52 min
